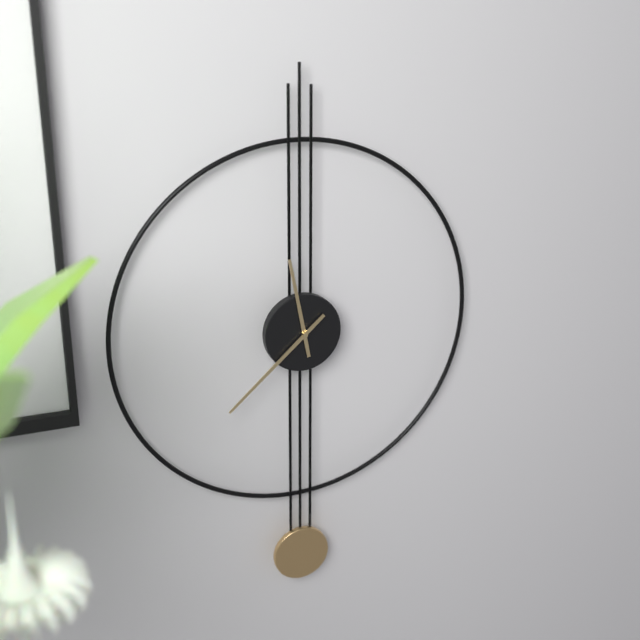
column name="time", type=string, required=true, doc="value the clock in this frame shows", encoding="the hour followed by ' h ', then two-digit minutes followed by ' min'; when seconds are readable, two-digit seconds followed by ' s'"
11 h 38 min
